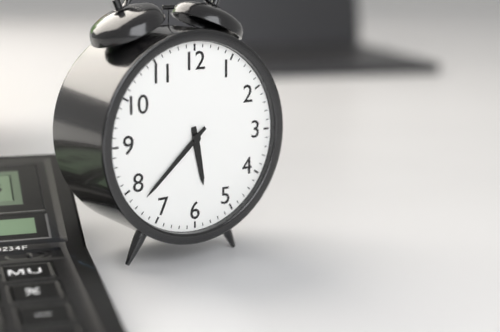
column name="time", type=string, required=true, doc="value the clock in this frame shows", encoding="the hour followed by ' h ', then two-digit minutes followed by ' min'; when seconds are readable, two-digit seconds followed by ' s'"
5 h 38 min
